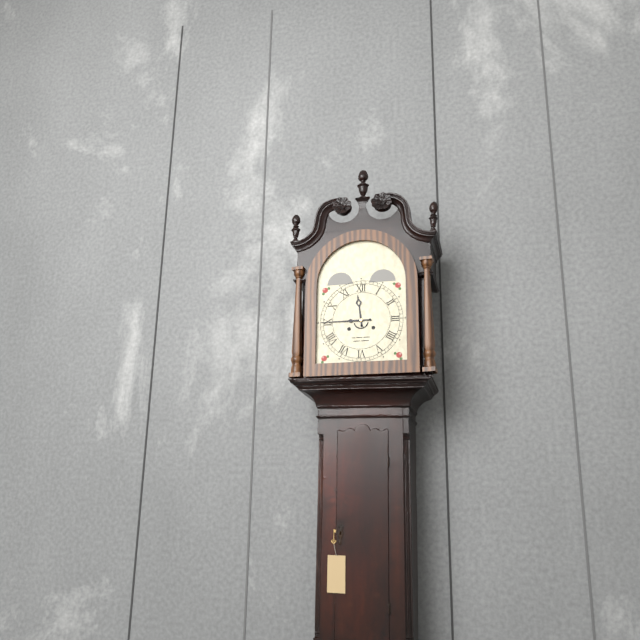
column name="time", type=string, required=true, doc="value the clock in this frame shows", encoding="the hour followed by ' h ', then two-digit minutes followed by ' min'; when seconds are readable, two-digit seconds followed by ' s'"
11 h 45 min
